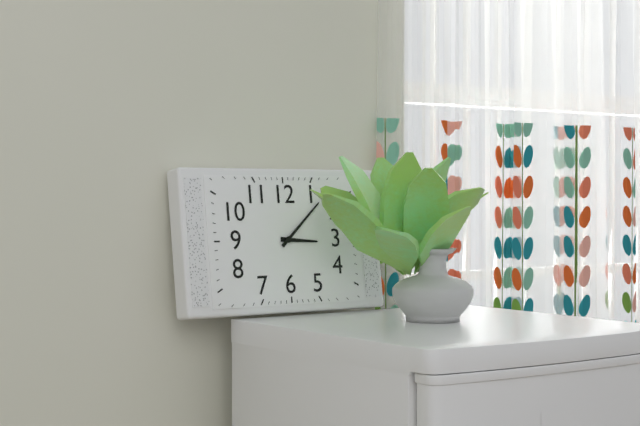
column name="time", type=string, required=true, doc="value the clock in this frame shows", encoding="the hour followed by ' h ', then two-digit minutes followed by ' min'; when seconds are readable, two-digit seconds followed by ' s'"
3 h 08 min
